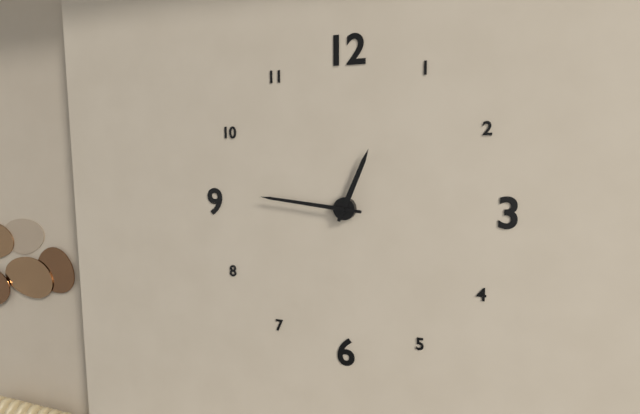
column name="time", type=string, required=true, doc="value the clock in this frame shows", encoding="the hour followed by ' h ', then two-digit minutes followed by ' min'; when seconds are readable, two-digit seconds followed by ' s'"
12 h 46 min
